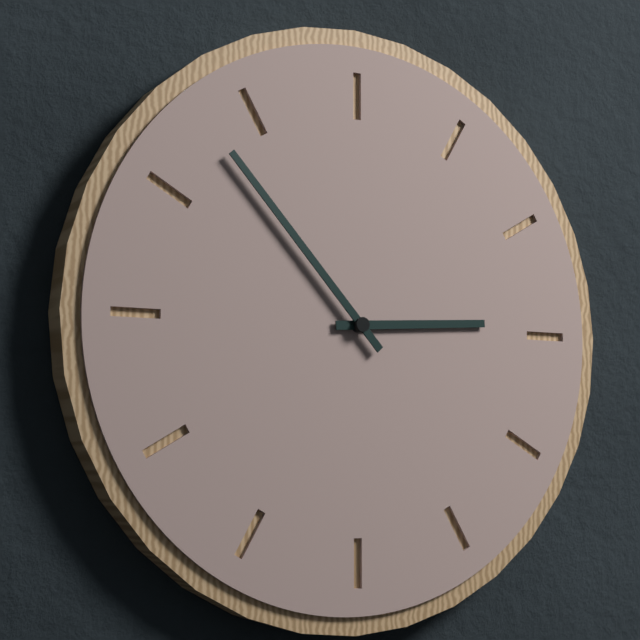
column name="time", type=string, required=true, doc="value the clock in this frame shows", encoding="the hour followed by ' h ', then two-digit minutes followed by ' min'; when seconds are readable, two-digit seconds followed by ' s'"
2 h 53 min
